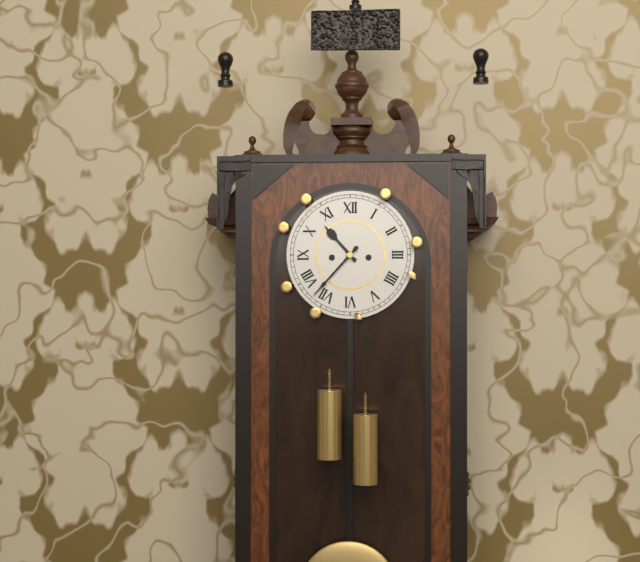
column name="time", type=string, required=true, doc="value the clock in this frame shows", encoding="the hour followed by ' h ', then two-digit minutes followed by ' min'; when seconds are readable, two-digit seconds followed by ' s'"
10 h 37 min
